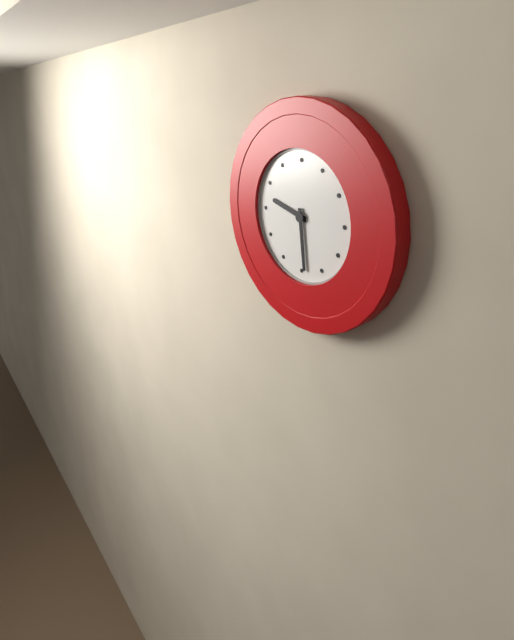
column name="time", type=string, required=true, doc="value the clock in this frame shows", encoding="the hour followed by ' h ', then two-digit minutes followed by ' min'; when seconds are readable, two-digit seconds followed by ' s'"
9 h 29 min
